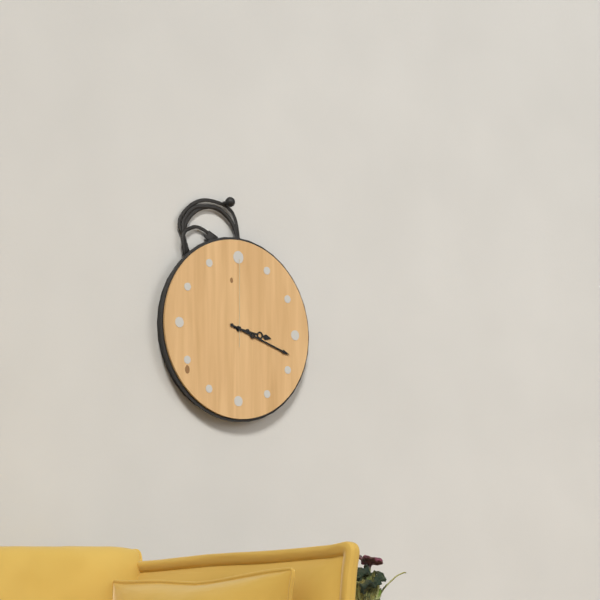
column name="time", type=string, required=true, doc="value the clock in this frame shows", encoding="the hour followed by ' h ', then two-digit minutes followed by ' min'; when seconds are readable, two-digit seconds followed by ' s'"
3 h 18 min 00 s
